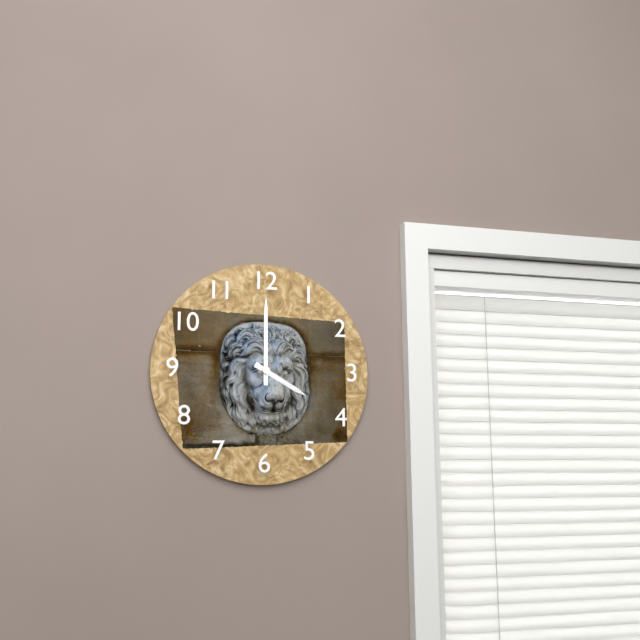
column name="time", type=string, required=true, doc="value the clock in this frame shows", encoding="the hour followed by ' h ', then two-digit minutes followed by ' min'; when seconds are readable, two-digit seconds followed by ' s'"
4 h 00 min
